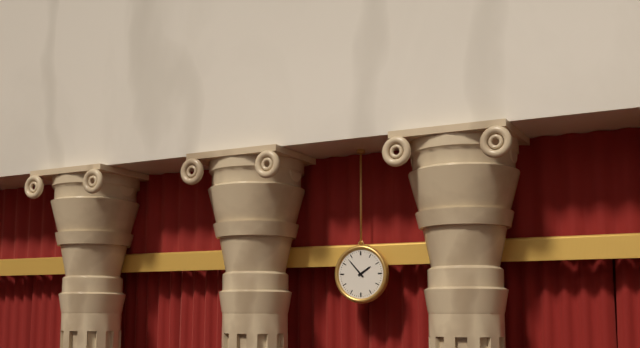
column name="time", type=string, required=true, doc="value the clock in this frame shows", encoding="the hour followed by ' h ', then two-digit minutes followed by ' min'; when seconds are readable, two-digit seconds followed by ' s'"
1 h 53 min
